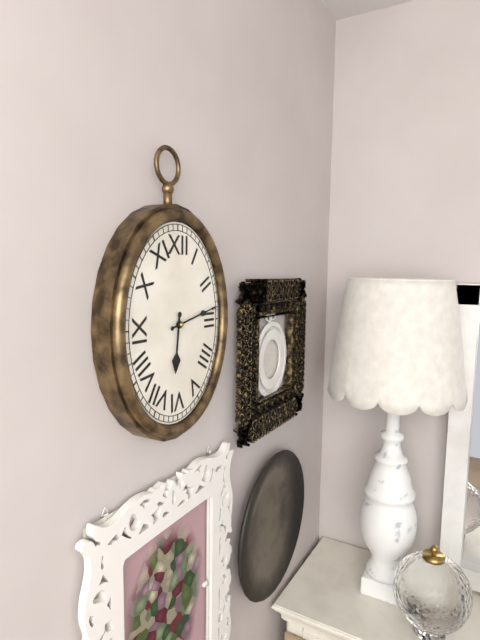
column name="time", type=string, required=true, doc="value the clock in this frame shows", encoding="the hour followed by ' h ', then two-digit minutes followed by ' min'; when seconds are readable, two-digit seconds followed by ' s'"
6 h 13 min
